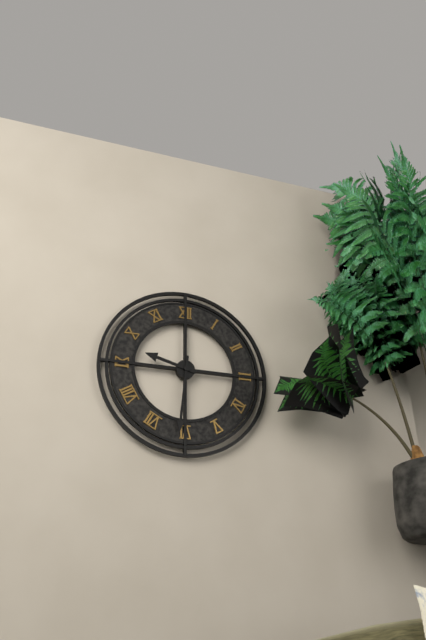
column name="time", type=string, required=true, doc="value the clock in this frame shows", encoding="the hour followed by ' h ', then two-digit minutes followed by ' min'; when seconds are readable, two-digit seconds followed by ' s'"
9 h 31 min
